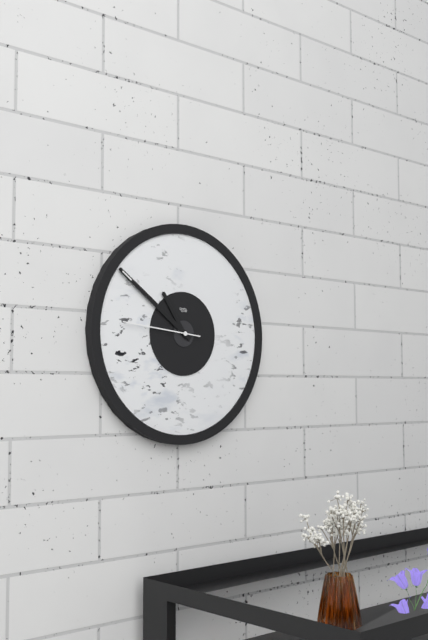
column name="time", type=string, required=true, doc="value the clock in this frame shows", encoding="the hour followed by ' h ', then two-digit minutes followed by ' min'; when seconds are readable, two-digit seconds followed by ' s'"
10 h 51 min 46 s
